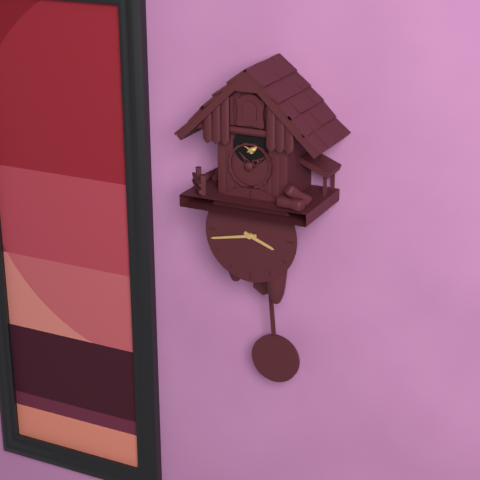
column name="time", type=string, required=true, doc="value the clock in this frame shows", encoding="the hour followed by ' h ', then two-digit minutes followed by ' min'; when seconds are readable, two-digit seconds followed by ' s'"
3 h 43 min
